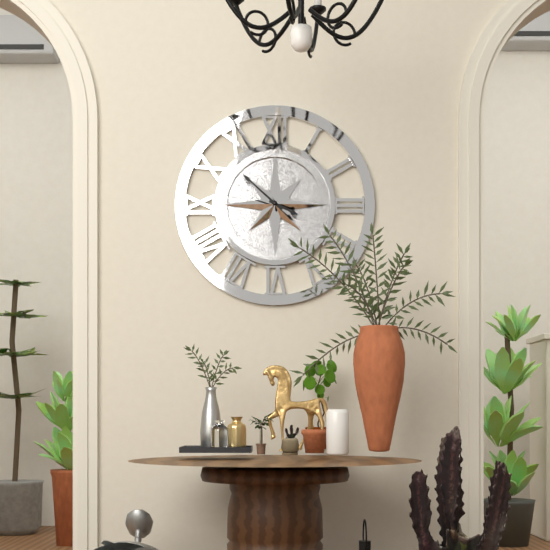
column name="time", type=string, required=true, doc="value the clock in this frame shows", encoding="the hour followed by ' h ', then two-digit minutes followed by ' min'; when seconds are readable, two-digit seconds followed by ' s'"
3 h 52 min
